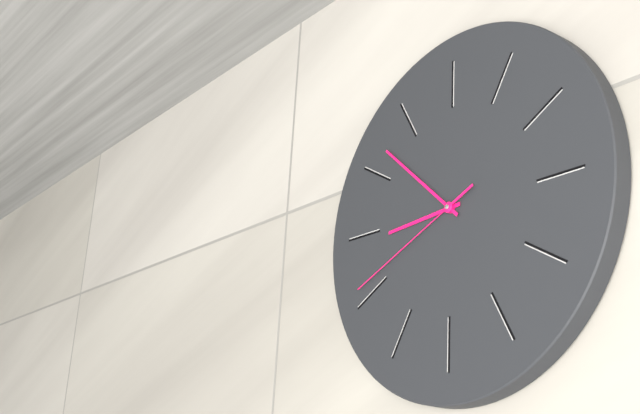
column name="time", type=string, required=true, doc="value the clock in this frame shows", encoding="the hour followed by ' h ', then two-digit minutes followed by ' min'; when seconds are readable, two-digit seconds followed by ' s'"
8 h 52 min 41 s
